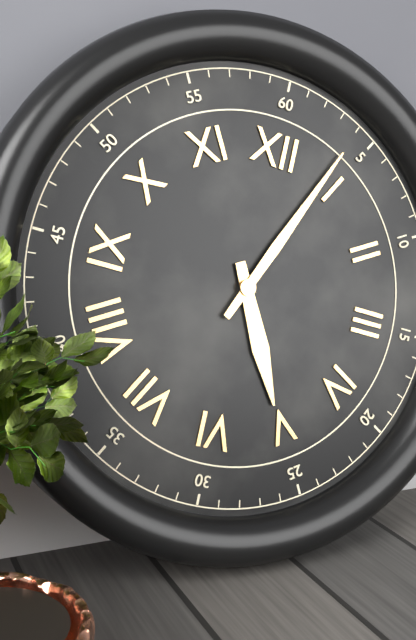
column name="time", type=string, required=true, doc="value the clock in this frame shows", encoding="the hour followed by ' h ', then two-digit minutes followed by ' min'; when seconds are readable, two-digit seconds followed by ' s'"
5 h 04 min
